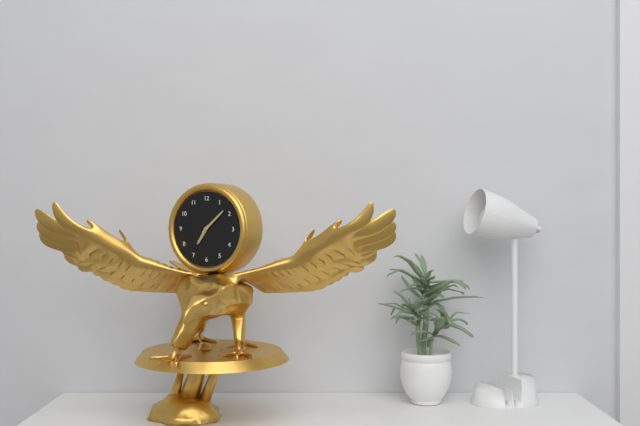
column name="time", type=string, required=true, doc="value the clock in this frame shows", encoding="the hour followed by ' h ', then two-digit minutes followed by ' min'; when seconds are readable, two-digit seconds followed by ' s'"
7 h 08 min
